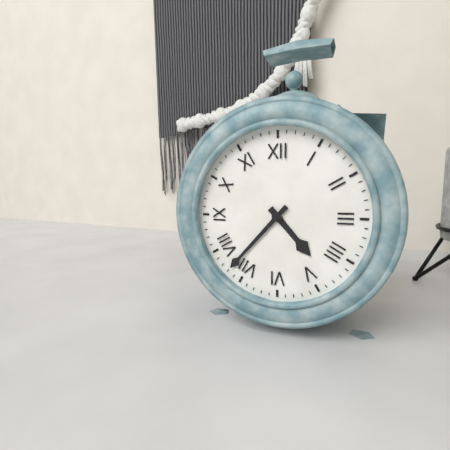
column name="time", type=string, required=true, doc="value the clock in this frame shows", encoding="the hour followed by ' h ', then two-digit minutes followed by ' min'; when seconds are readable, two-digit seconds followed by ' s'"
4 h 37 min
